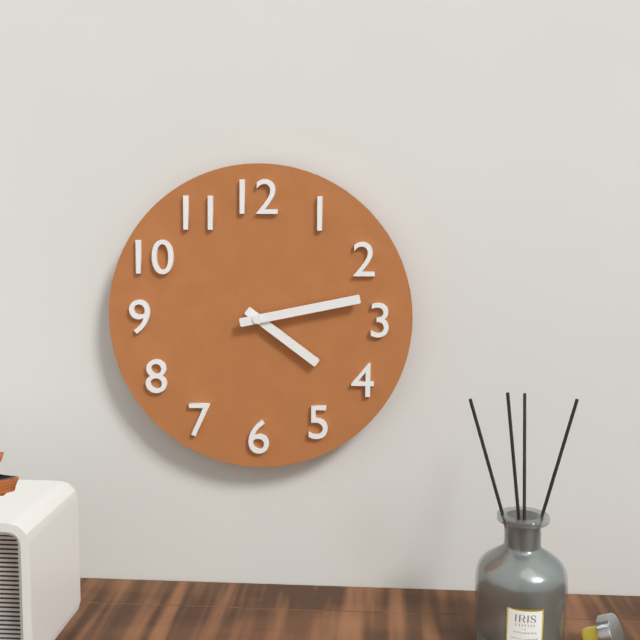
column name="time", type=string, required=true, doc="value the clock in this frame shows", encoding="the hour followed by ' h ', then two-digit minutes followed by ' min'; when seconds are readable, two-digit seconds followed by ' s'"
4 h 13 min
